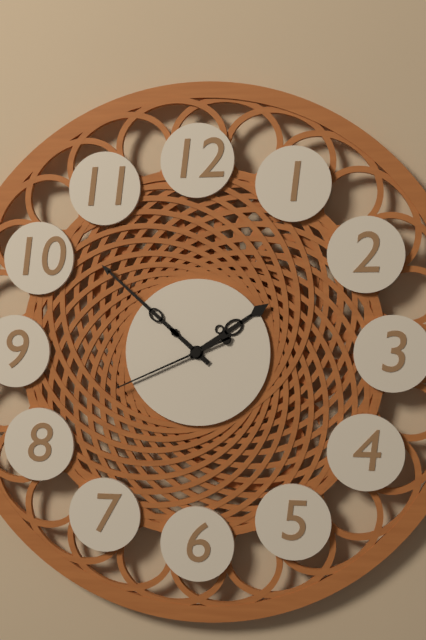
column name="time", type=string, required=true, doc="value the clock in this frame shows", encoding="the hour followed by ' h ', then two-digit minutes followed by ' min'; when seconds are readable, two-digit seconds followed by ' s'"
1 h 52 min 41 s
